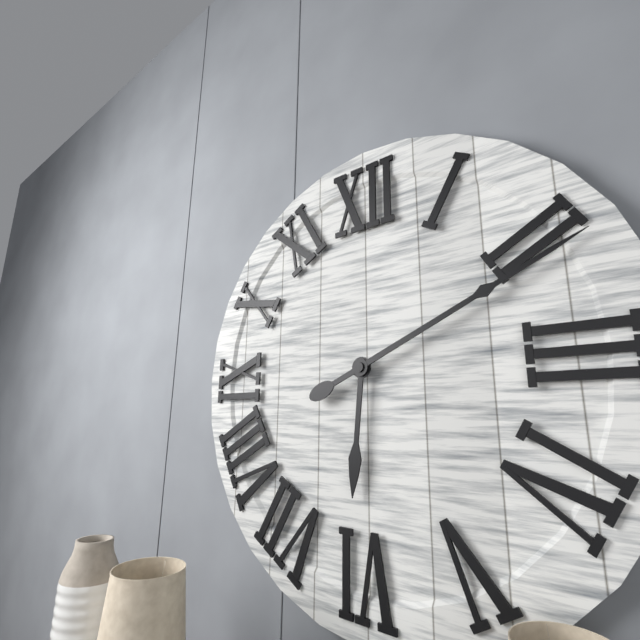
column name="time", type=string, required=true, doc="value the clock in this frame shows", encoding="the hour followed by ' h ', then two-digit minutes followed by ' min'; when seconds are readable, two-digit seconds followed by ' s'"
6 h 11 min
